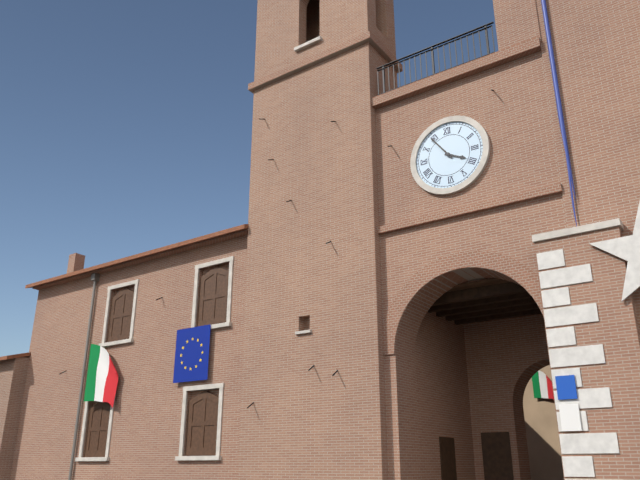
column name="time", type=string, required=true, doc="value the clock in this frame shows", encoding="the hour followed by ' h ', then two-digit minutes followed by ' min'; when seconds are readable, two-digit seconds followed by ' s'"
3 h 54 min
